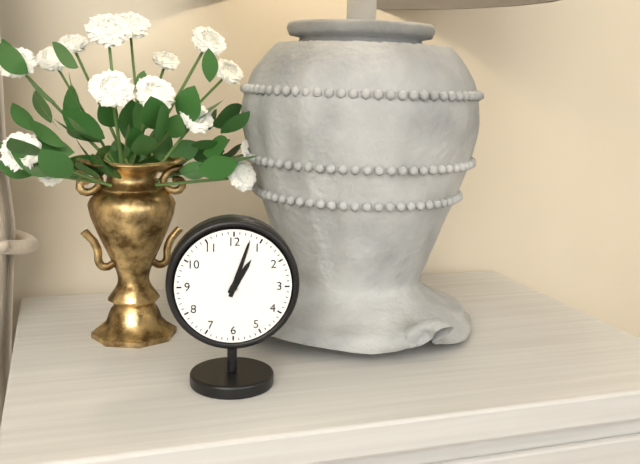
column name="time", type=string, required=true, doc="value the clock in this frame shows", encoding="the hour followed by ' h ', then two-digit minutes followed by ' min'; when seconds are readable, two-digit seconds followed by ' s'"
1 h 03 min
